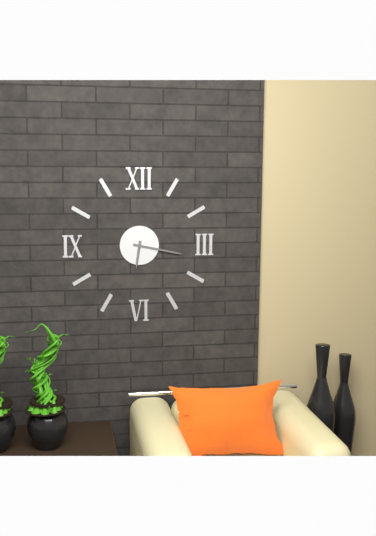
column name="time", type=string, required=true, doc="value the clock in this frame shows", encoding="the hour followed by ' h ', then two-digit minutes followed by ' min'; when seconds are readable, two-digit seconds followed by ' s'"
6 h 17 min
